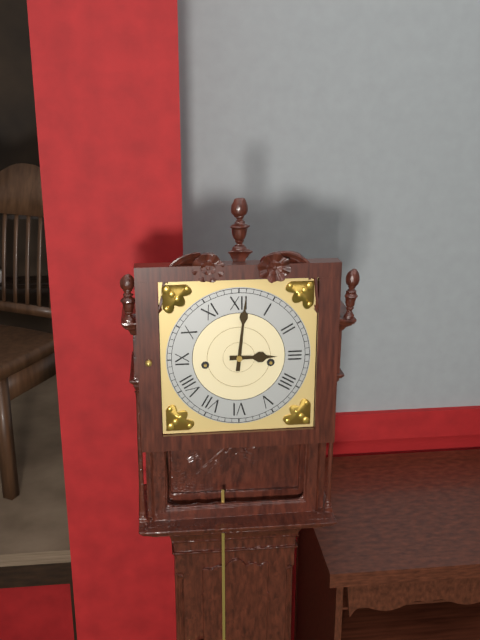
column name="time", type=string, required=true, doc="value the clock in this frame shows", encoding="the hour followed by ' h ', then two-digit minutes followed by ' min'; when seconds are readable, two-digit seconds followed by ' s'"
3 h 01 min
